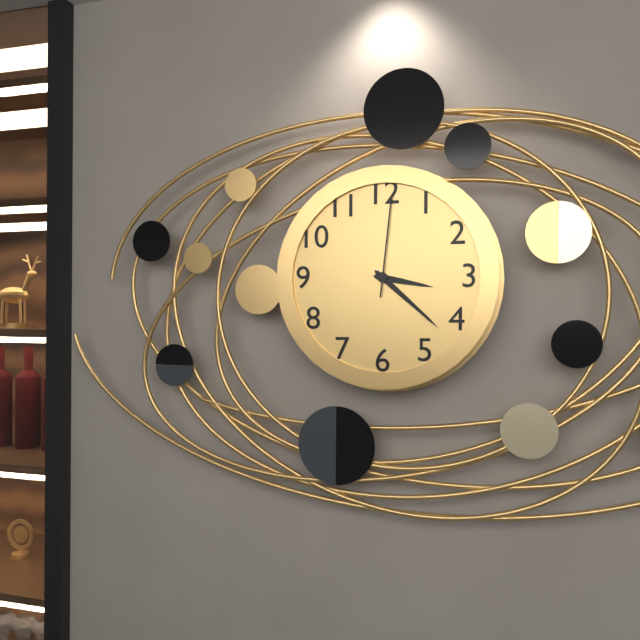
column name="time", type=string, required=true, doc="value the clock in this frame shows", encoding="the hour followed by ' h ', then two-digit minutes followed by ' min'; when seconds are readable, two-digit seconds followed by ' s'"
3 h 22 min 01 s
